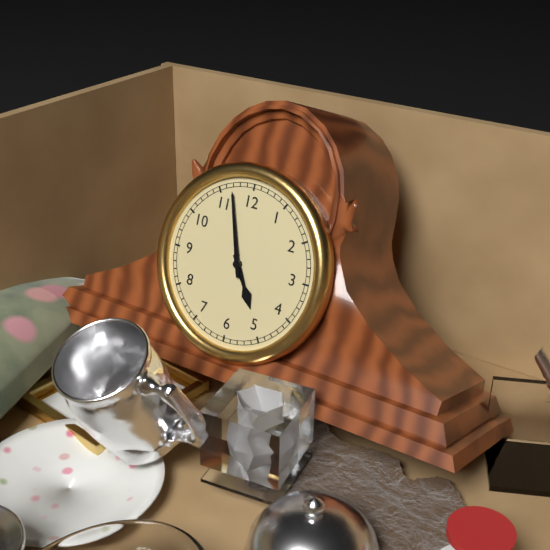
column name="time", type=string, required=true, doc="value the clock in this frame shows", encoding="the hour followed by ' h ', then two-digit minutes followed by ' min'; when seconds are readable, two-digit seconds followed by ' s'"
4 h 57 min
